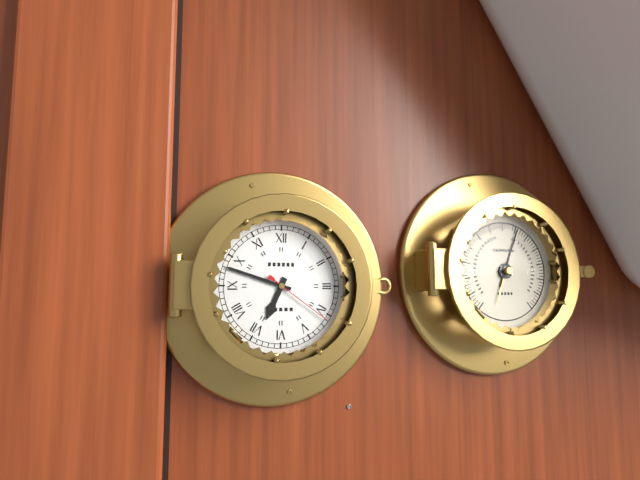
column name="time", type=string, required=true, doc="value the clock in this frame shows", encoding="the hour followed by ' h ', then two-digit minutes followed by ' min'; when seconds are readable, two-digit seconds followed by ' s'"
6 h 48 min 21 s
